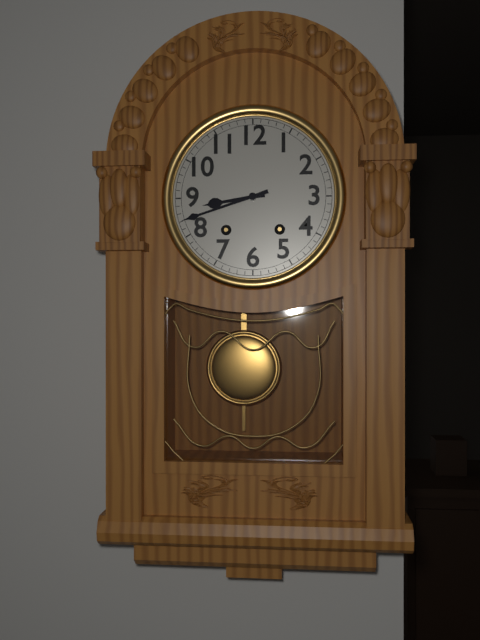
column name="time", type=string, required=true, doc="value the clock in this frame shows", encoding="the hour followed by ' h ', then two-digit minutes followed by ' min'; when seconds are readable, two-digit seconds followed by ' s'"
8 h 42 min
